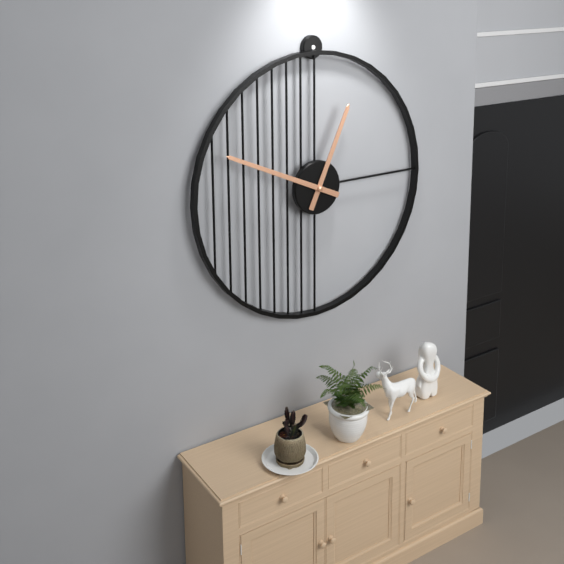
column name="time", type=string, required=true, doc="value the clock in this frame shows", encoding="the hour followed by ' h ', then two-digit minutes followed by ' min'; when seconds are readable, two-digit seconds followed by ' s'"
12 h 49 min
